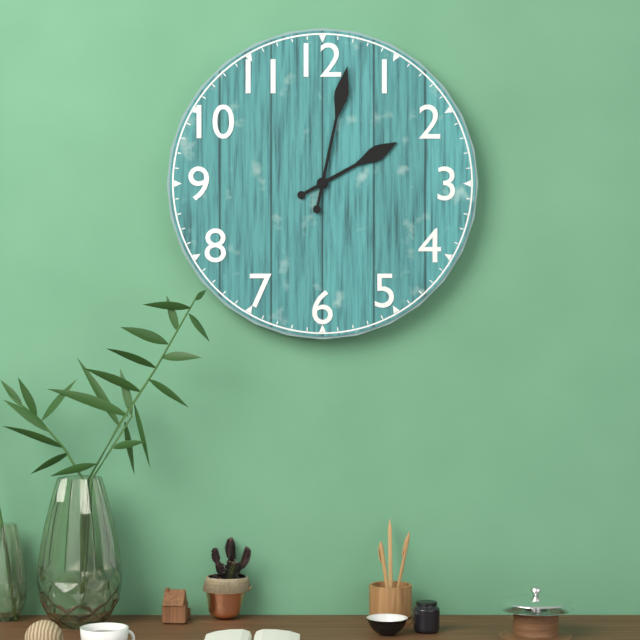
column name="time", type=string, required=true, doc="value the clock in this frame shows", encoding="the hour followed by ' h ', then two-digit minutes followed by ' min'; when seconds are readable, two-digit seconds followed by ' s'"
2 h 02 min
